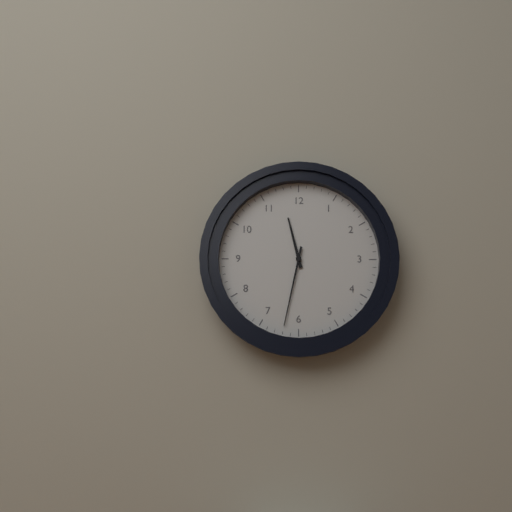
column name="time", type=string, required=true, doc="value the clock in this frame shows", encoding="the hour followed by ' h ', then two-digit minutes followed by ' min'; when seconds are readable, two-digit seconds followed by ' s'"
11 h 32 min
